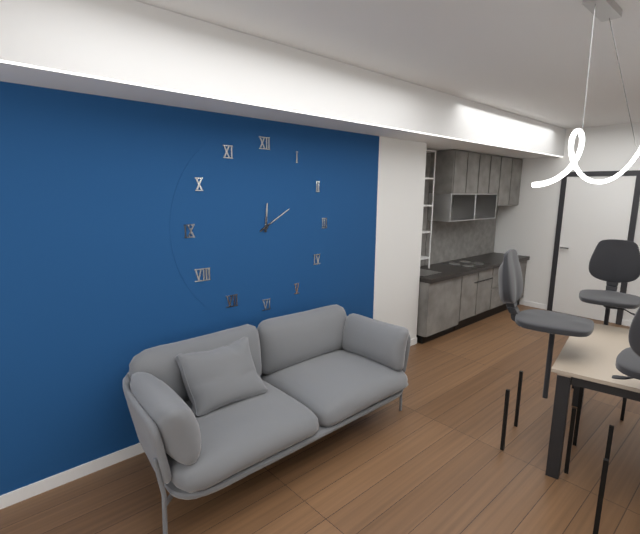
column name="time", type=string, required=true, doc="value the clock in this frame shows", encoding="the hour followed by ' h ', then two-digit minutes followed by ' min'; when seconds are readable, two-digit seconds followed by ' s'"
12 h 10 min
